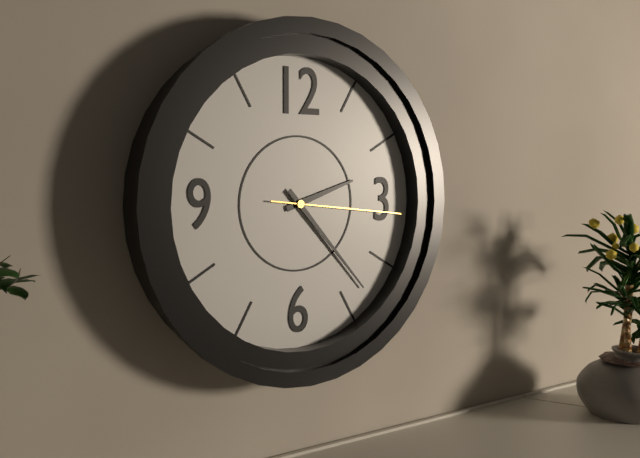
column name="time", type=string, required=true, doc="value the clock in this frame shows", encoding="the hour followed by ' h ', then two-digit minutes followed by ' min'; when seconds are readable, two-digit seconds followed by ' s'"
2 h 23 min 16 s
